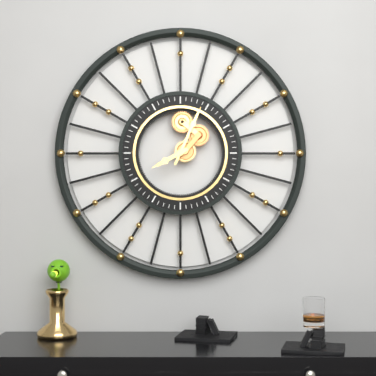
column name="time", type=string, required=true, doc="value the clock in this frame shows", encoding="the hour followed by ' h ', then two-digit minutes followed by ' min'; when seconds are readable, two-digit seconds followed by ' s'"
8 h 04 min
